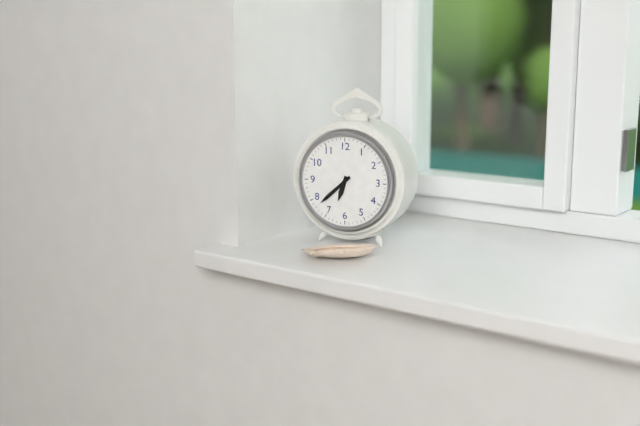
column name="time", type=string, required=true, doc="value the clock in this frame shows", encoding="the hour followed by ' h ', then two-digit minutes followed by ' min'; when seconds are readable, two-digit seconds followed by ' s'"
6 h 38 min
